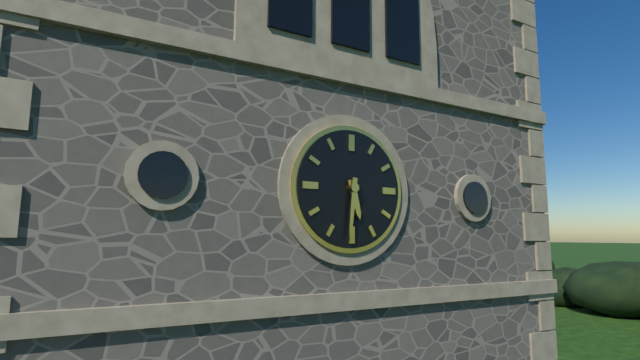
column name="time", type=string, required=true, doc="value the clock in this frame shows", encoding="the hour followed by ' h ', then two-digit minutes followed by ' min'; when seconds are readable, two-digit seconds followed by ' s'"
5 h 31 min
